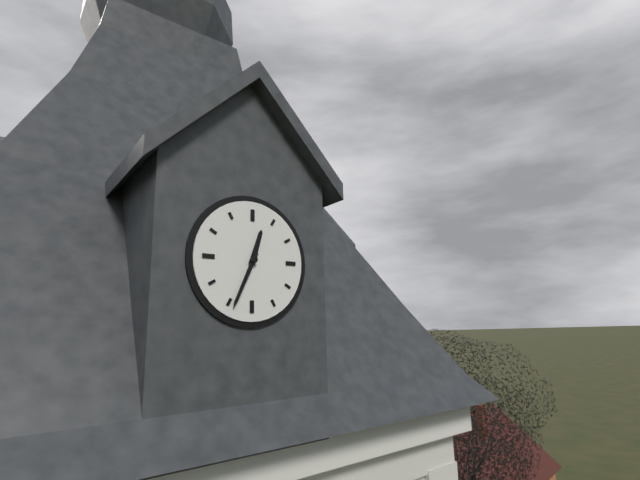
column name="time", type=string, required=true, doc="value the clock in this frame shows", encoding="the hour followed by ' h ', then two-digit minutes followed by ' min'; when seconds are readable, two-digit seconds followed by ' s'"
12 h 34 min
